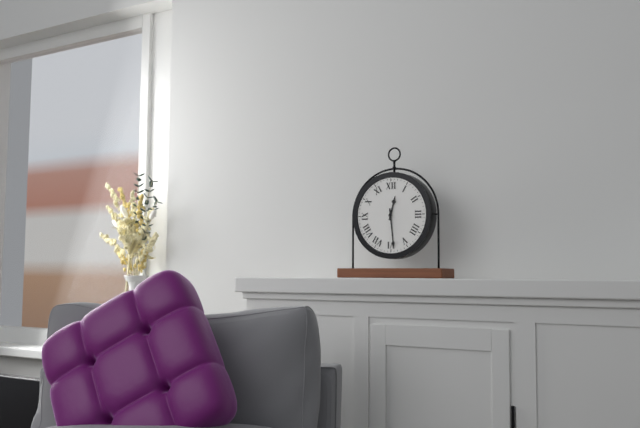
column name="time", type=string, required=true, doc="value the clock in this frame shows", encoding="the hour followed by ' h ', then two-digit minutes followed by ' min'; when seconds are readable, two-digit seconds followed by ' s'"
12 h 29 min
